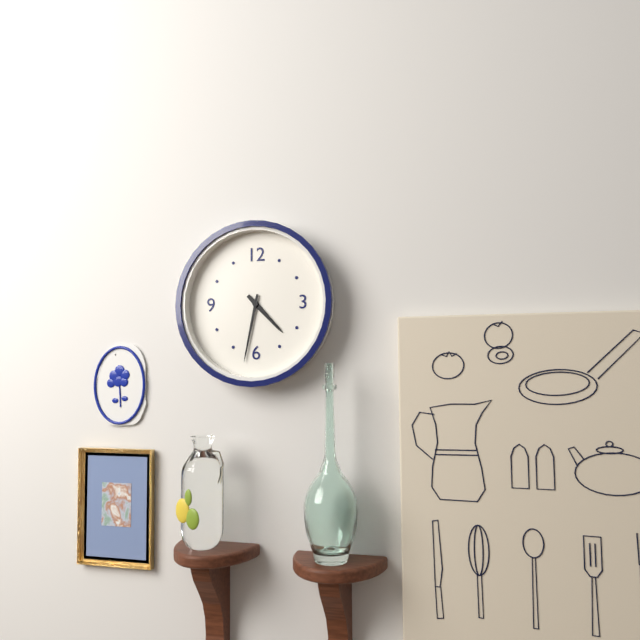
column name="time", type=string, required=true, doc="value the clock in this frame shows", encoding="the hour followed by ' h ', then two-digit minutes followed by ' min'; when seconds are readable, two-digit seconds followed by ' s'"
4 h 32 min
